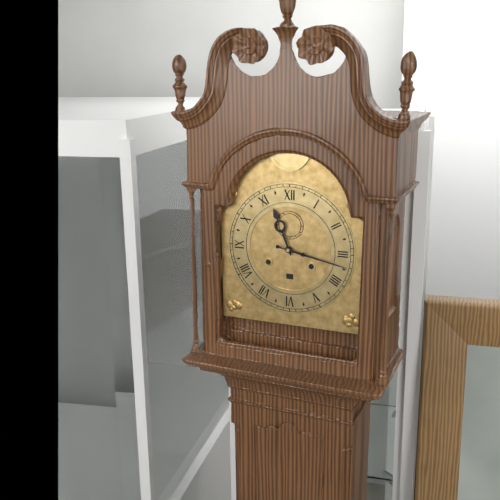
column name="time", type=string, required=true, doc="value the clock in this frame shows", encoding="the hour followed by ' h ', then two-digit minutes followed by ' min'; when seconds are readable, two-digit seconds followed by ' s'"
11 h 17 min
